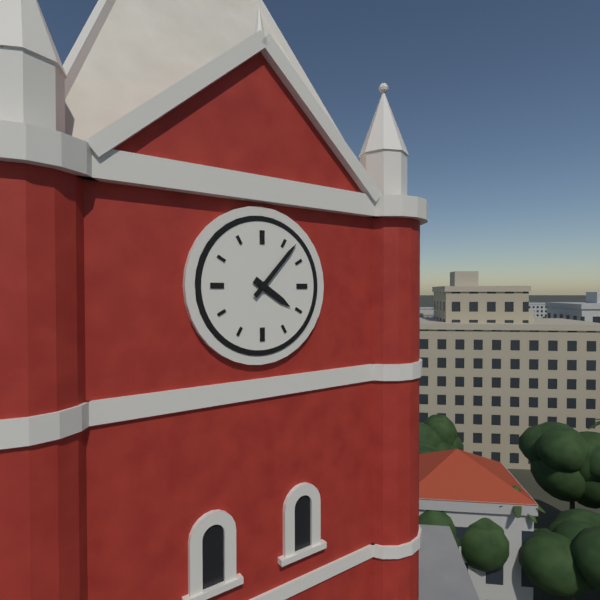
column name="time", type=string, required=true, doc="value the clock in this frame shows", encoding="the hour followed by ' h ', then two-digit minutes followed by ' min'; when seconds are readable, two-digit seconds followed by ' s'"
4 h 07 min
